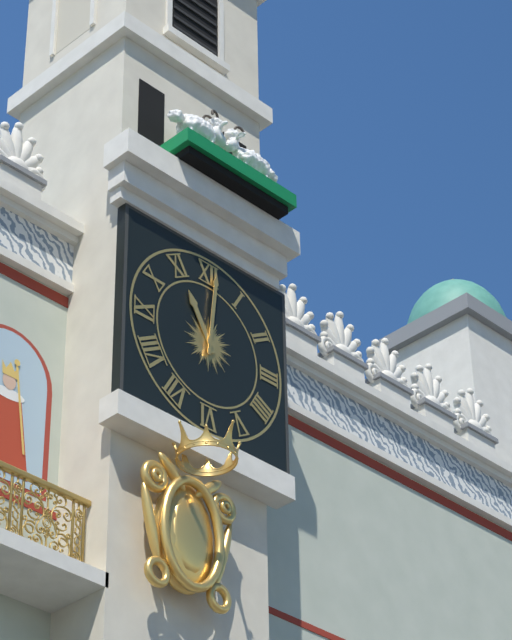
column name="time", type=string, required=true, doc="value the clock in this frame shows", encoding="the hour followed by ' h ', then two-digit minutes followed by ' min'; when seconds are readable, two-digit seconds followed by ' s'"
11 h 01 min
